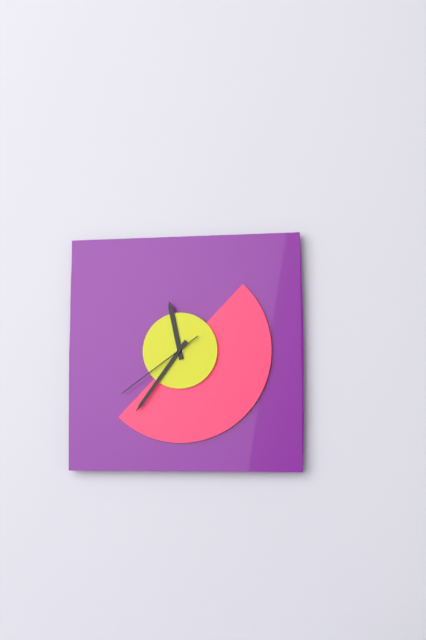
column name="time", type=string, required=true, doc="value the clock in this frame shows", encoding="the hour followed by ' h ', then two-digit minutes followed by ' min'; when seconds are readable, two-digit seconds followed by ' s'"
11 h 36 min 39 s
